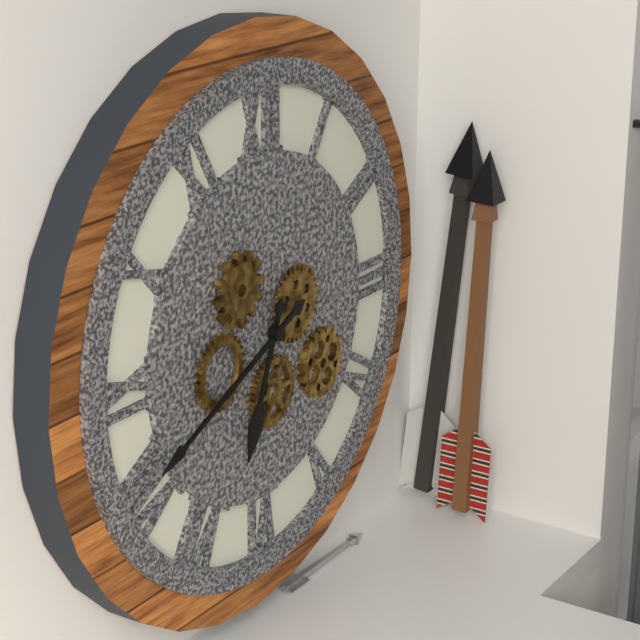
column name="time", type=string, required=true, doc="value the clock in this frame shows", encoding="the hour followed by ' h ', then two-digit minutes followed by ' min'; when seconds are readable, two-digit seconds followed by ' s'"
6 h 41 min
